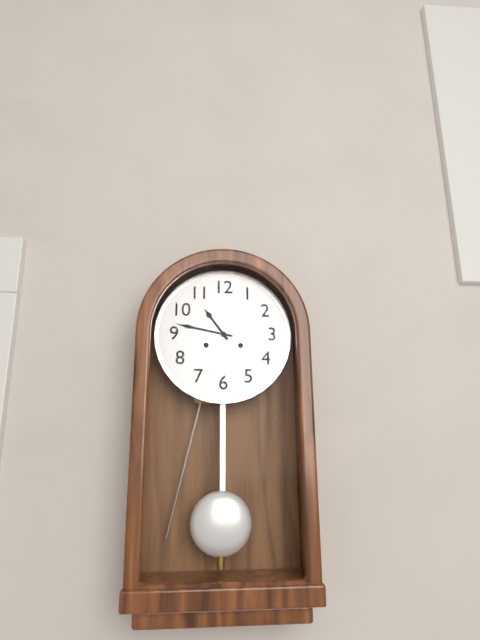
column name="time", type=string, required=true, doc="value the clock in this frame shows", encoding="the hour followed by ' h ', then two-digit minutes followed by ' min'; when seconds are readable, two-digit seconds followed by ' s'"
10 h 47 min
